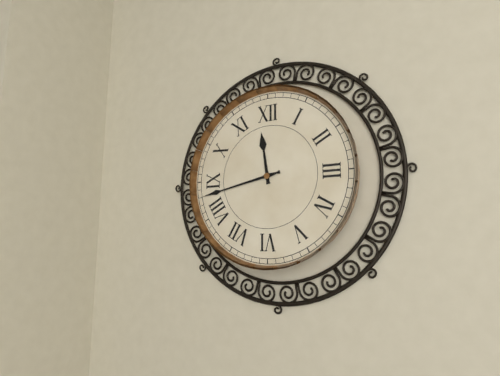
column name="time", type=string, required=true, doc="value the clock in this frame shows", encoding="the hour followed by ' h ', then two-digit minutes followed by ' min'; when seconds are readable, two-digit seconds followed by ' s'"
11 h 43 min
